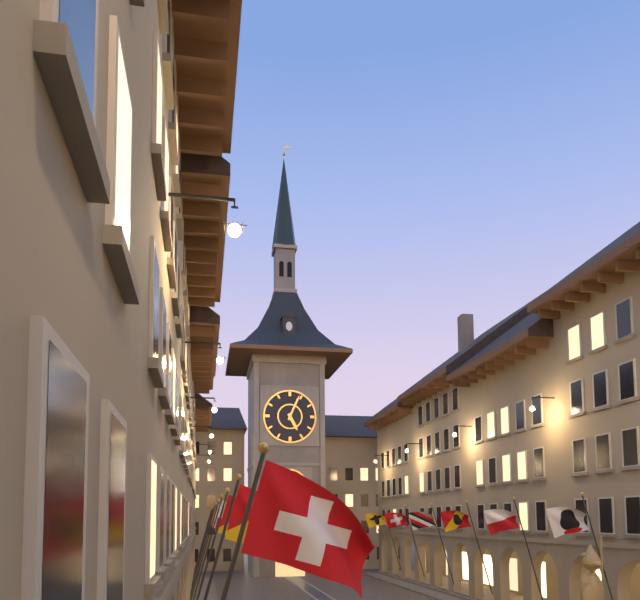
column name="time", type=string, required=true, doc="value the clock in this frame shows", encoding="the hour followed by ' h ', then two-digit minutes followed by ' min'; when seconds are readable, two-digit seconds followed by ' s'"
5 h 04 min
